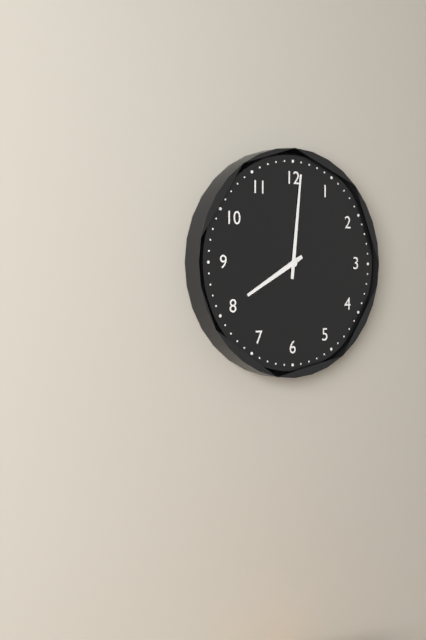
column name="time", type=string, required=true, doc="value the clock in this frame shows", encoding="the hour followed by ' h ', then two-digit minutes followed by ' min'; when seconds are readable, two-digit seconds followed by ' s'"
8 h 01 min
